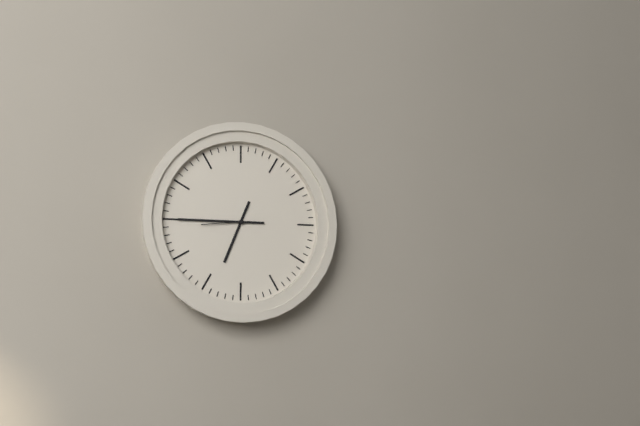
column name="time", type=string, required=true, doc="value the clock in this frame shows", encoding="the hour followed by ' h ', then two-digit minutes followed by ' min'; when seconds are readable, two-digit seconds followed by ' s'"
6 h 45 min
